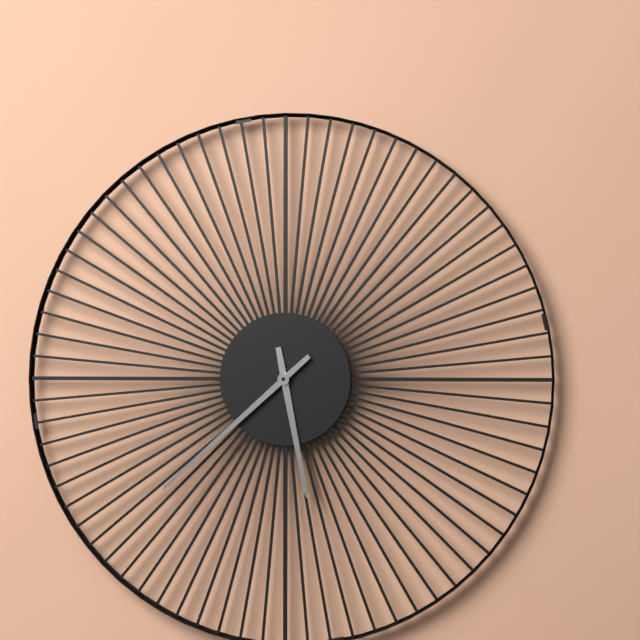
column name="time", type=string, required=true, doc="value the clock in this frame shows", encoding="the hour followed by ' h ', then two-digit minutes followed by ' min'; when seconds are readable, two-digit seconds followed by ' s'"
5 h 38 min
